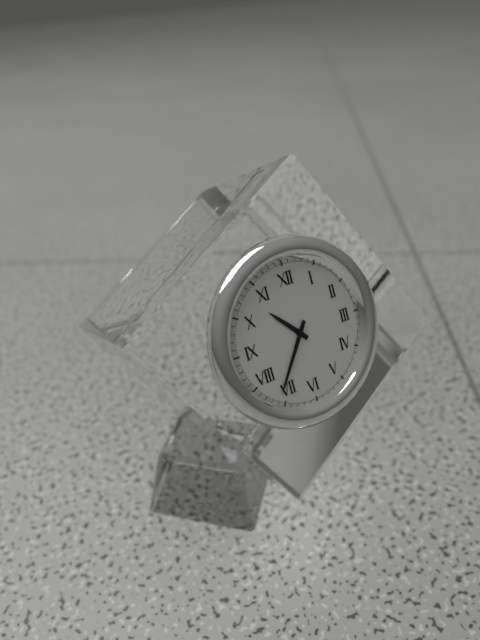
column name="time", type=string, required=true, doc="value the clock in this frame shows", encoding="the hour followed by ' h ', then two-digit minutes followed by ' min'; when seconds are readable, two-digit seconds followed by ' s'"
10 h 36 min
